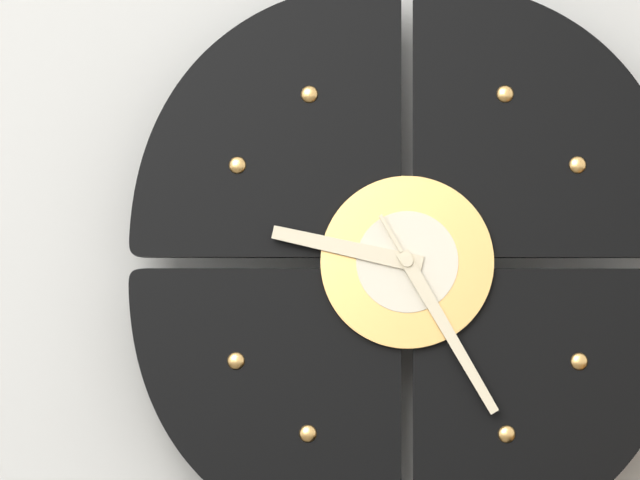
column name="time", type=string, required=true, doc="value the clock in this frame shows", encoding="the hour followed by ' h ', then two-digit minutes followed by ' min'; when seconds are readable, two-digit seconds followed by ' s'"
9 h 25 min
